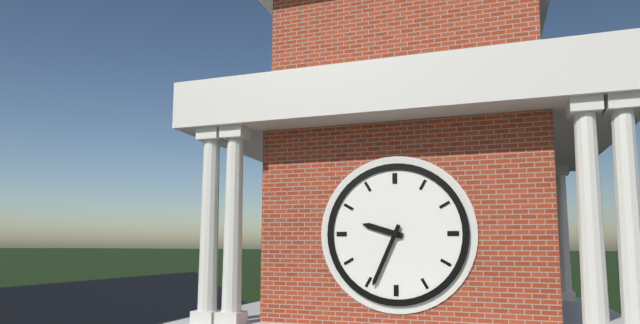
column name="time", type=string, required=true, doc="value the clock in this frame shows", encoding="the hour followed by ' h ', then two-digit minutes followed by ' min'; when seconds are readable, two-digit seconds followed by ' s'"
9 h 34 min
